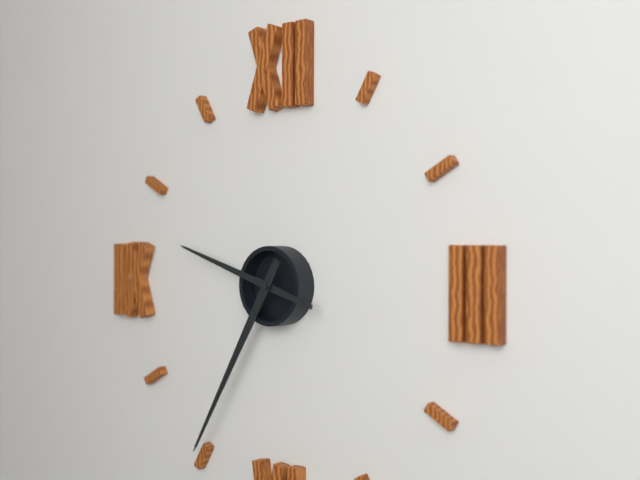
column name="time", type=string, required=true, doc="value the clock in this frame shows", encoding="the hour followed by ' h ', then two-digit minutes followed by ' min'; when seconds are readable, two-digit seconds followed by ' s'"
9 h 35 min
